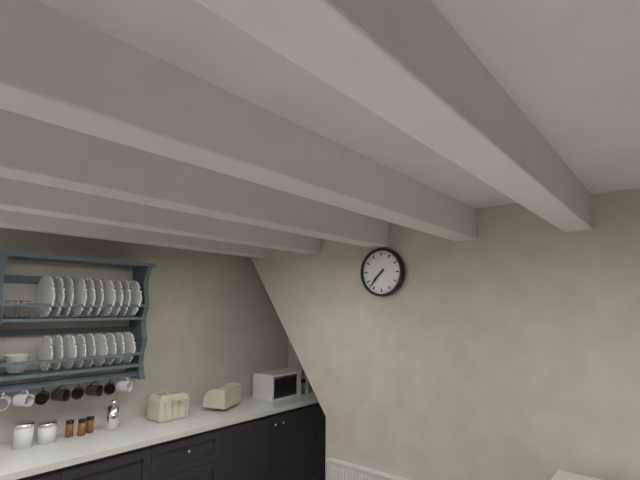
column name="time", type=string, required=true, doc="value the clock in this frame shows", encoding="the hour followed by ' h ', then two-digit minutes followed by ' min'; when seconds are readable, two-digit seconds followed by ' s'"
7 h 37 min
